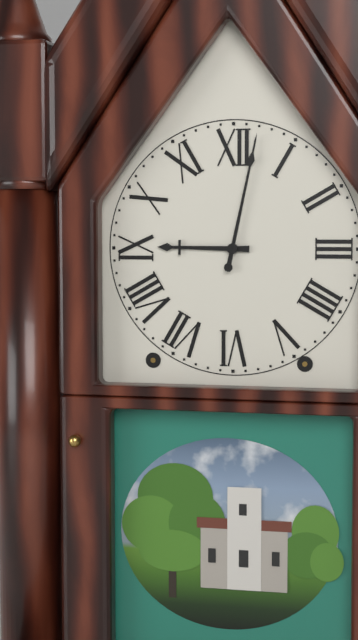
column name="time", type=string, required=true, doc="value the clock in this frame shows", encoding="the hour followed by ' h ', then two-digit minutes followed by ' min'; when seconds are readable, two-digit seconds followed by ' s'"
9 h 02 min
